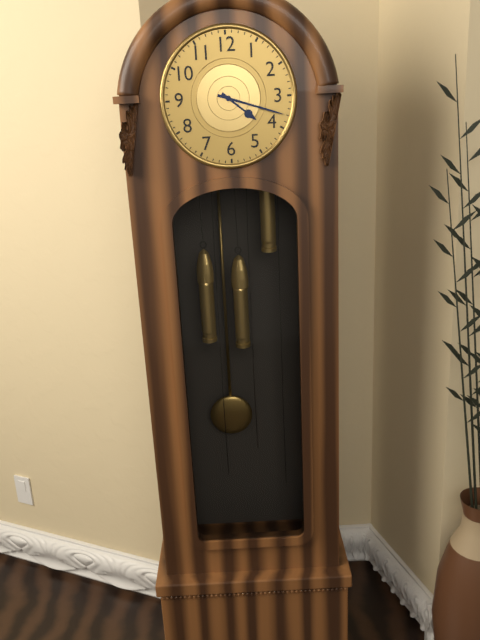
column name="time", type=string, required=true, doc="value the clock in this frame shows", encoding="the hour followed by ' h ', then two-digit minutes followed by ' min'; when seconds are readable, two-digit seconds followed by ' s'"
4 h 18 min
